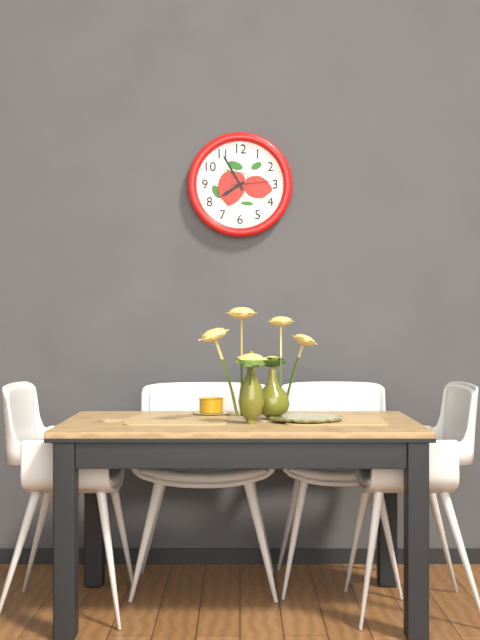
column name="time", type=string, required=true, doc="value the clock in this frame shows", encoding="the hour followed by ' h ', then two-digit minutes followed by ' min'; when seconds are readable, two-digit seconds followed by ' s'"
7 h 55 min
